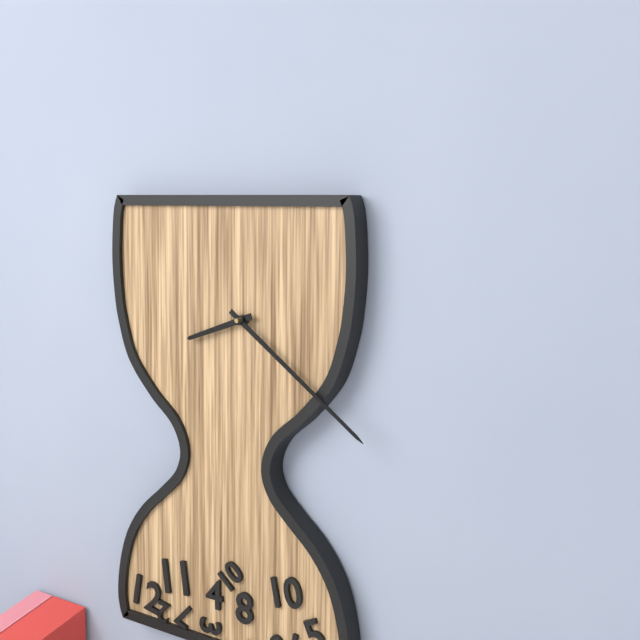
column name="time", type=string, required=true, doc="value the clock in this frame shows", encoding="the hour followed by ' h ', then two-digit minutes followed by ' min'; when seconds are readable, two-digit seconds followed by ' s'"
8 h 21 min
